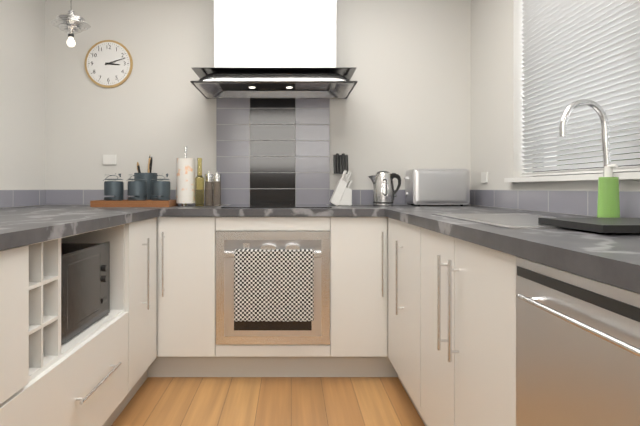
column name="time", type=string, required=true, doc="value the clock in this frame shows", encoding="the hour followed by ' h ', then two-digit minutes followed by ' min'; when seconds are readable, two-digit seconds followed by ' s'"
3 h 12 min
